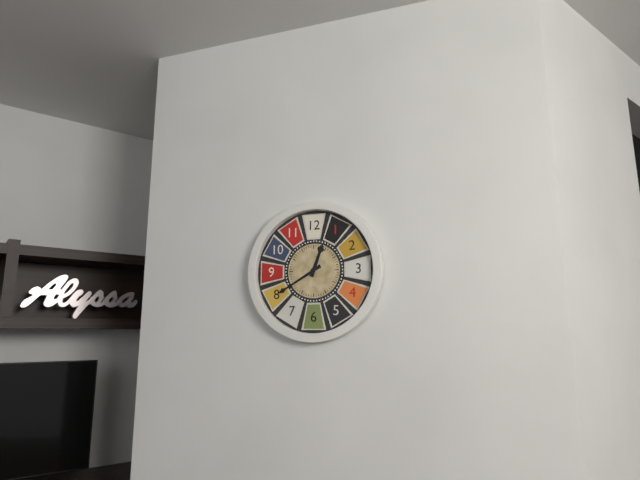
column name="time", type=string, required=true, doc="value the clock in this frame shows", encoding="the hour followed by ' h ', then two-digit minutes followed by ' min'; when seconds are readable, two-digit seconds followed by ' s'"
12 h 40 min
